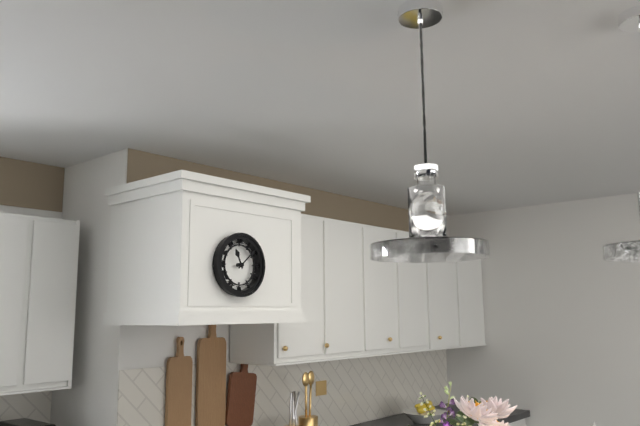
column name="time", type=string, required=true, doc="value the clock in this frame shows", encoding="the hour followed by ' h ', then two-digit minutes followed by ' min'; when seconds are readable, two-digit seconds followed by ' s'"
11 h 08 min
